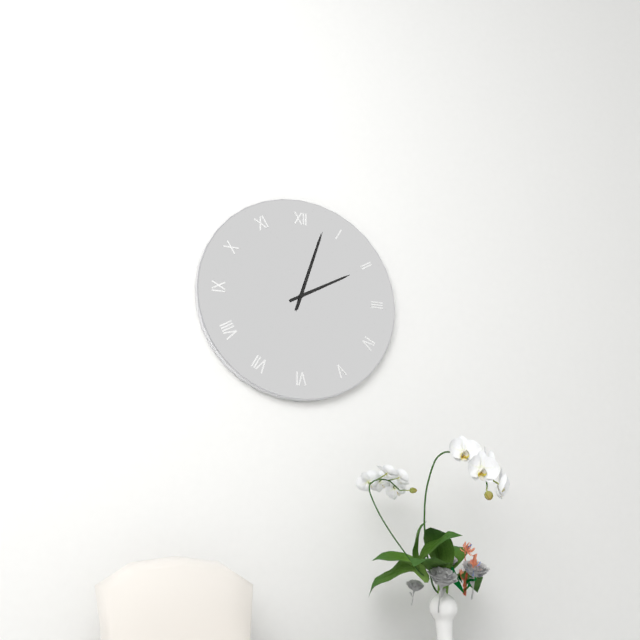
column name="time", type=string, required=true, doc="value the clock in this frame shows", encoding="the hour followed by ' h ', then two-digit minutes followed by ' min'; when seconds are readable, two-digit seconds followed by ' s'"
2 h 03 min
